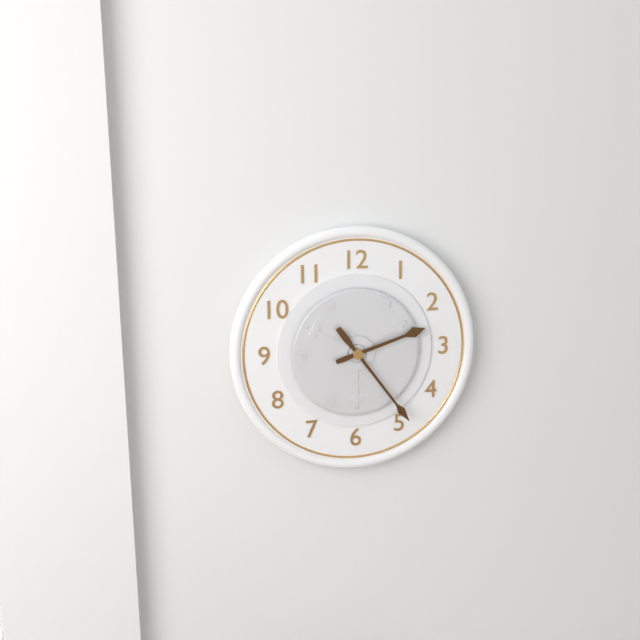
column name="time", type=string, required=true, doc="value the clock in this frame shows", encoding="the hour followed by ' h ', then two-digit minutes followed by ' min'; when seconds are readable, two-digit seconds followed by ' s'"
2 h 24 min
